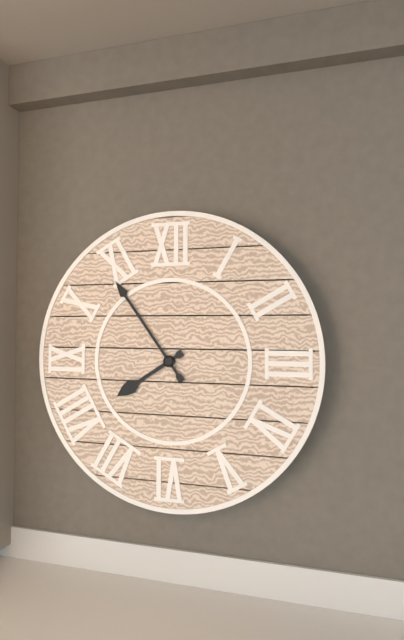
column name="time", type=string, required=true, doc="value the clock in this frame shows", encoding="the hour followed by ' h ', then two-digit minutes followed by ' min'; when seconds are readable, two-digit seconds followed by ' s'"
7 h 54 min
